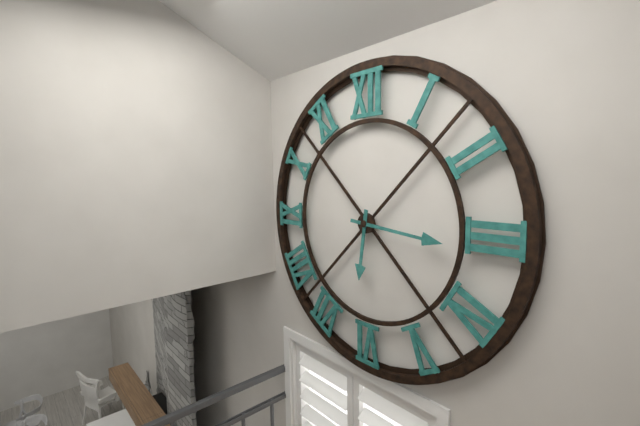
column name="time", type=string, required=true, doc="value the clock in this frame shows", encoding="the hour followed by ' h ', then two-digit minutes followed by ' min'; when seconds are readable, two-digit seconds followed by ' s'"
6 h 16 min
